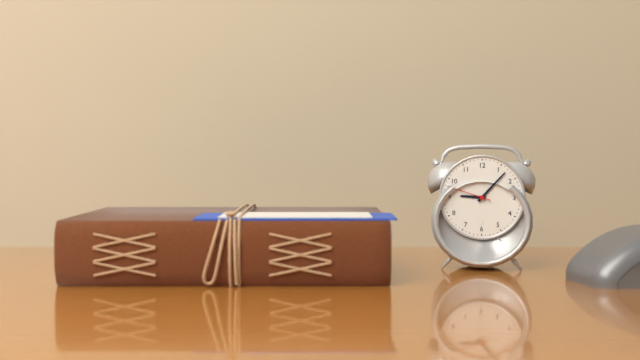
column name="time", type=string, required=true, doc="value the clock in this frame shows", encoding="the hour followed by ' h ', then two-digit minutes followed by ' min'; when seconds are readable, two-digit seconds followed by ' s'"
9 h 07 min
